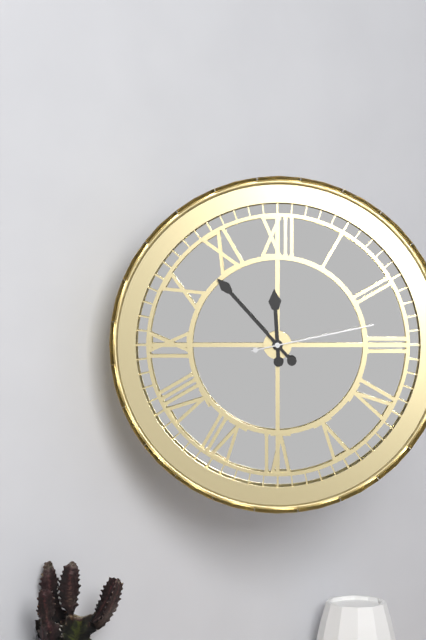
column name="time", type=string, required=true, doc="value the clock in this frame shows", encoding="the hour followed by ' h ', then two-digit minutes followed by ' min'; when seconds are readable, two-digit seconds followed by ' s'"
11 h 53 min 13 s
